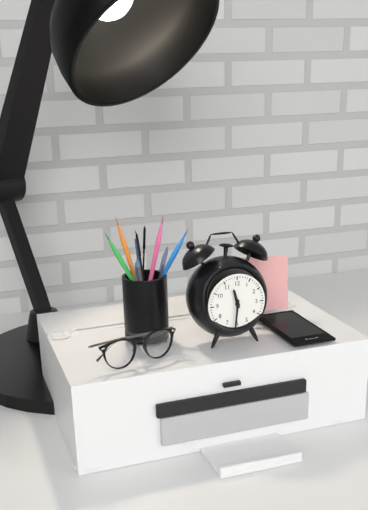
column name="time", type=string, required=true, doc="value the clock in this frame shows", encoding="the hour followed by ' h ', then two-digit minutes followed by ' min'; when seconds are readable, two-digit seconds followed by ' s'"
11 h 31 min
